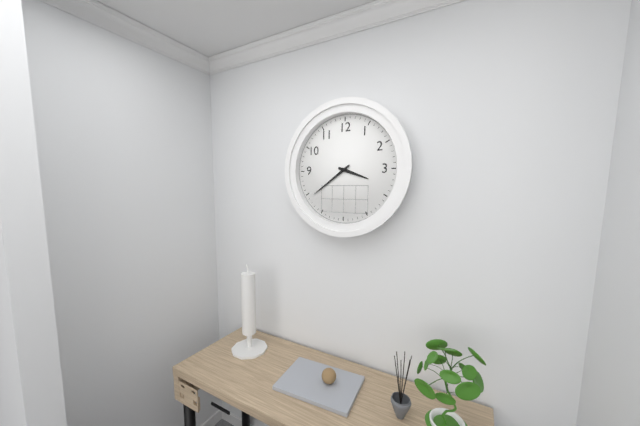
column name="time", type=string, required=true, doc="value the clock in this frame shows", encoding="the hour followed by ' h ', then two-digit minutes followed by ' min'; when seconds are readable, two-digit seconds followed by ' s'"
3 h 39 min
